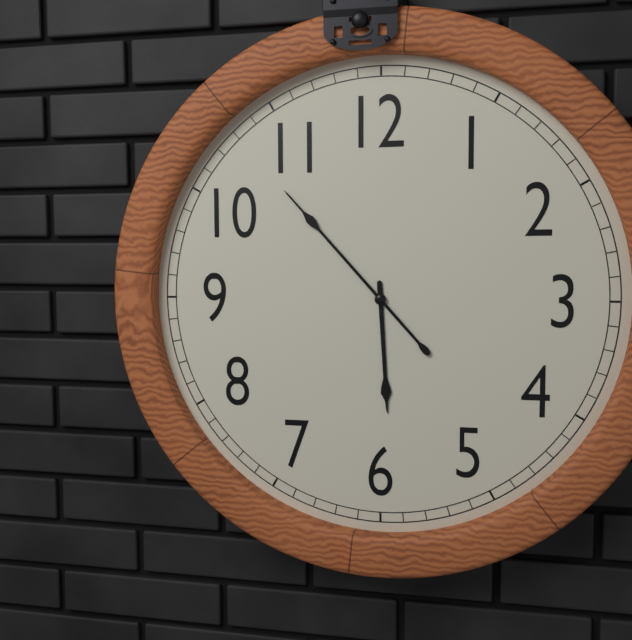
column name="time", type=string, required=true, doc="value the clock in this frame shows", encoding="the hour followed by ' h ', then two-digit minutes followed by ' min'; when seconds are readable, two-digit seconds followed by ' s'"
5 h 53 min
